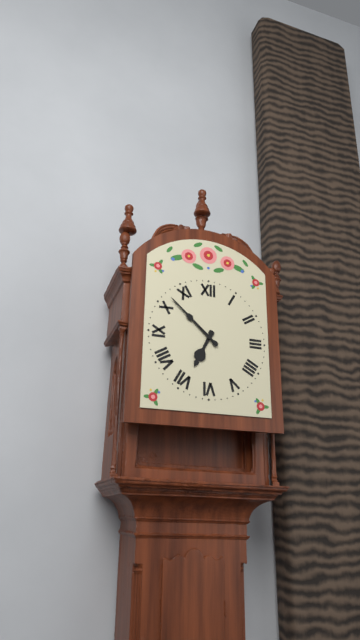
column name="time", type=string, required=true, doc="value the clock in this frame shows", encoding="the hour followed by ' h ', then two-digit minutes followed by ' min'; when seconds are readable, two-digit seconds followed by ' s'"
6 h 52 min
